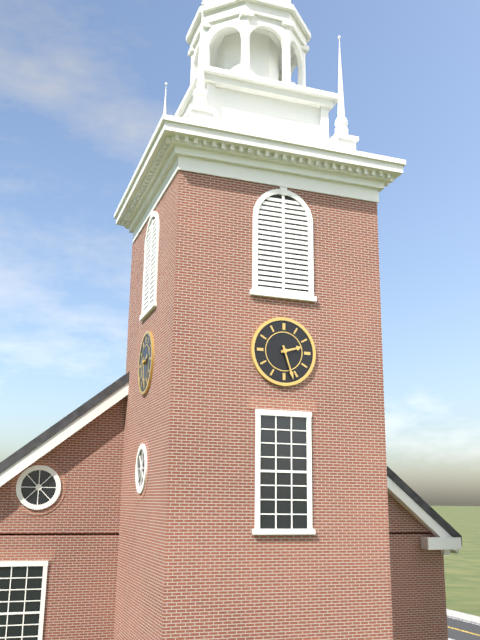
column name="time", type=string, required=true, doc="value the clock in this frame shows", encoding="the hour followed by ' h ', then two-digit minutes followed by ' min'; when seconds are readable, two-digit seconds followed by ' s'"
2 h 27 min
